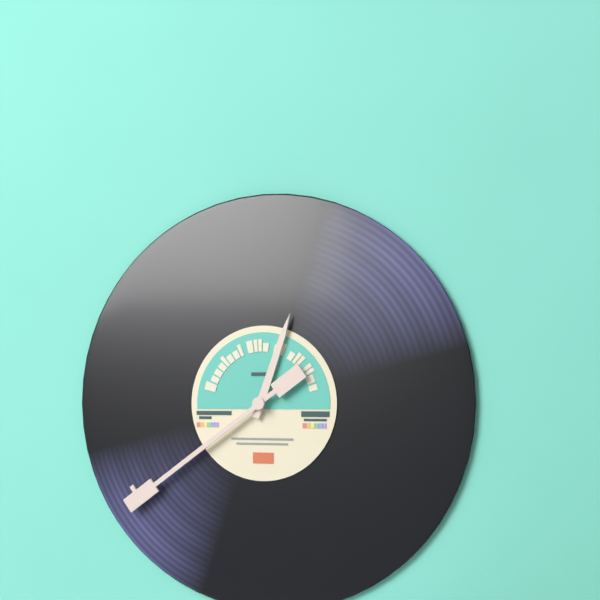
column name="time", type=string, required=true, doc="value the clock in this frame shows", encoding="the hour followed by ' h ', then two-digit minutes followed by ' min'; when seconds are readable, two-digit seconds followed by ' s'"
12 h 39 min
